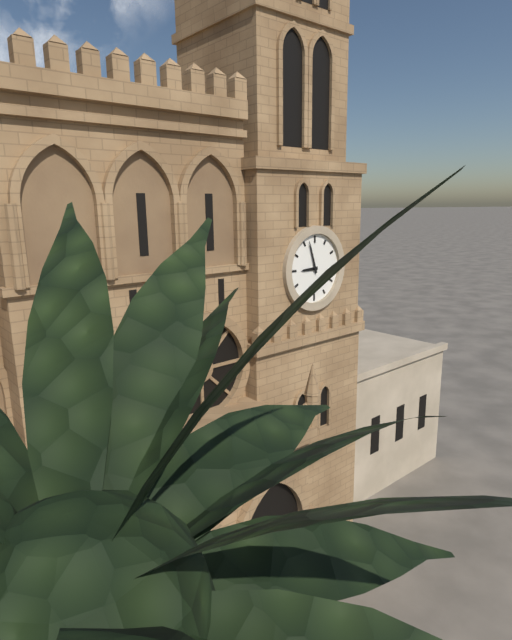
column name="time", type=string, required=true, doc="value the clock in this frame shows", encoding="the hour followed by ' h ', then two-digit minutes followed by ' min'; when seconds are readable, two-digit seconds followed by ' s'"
8 h 57 min
